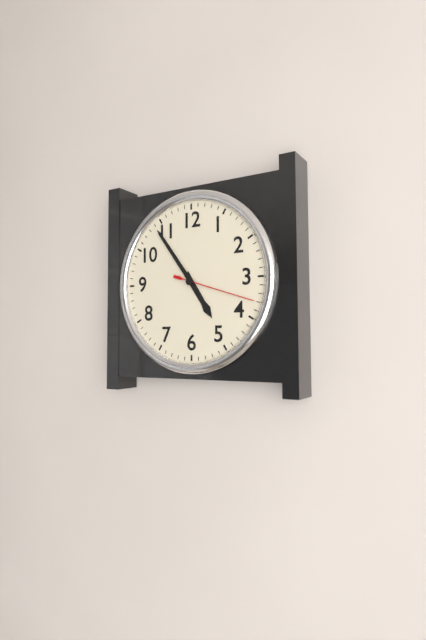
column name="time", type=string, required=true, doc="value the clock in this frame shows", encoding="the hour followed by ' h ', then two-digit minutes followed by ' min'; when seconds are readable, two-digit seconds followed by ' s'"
4 h 54 min 18 s
